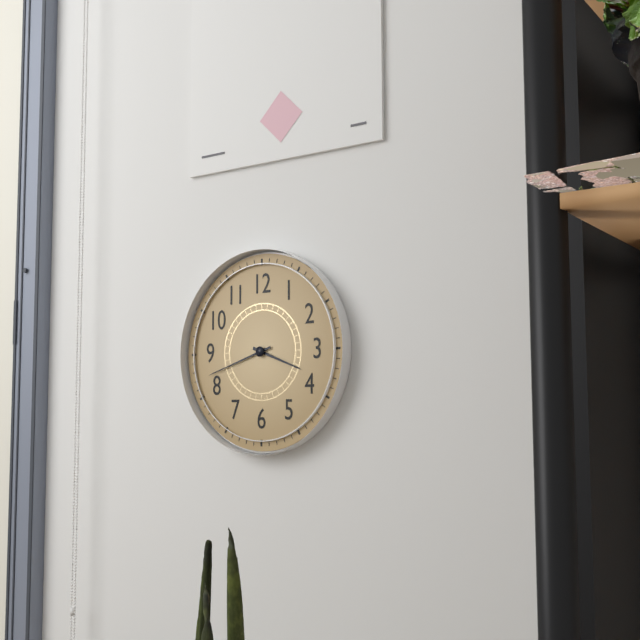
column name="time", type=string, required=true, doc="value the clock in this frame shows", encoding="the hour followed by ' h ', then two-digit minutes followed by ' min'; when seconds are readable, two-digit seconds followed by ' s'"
3 h 42 min
